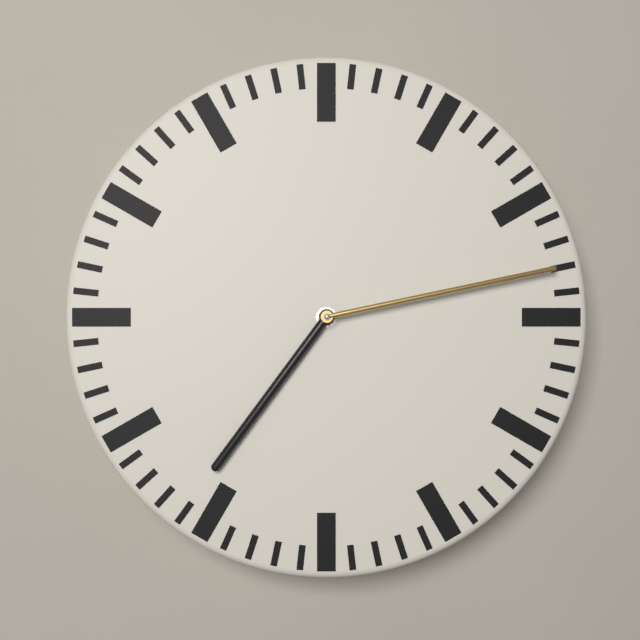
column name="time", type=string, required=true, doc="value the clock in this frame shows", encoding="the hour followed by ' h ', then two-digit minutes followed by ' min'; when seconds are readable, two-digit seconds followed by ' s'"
7 h 13 min
